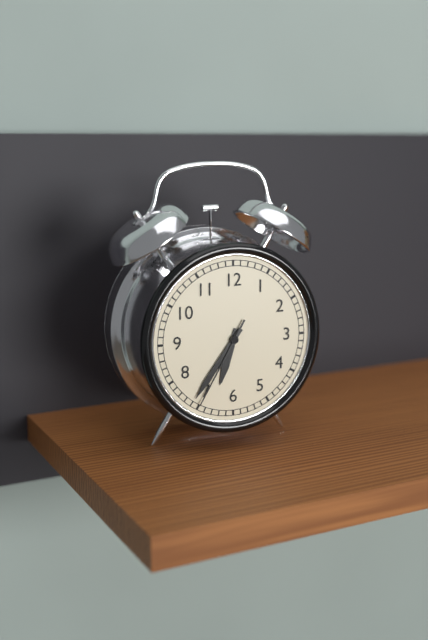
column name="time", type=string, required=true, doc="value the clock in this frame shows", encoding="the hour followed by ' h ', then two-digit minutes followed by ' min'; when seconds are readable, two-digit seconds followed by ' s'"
6 h 36 min 35 s
